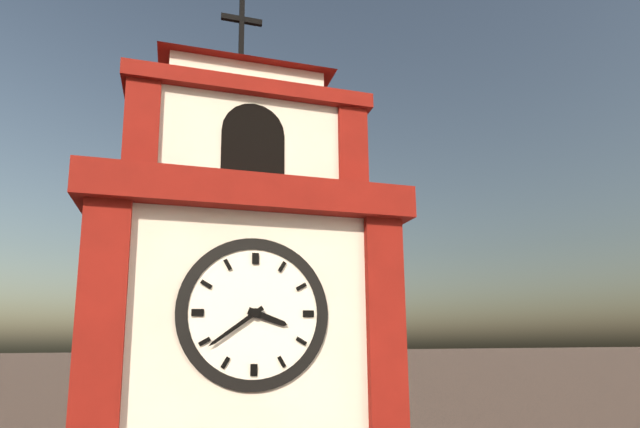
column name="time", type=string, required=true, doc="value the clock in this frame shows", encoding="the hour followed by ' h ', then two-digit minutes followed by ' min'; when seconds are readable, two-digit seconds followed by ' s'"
3 h 39 min
